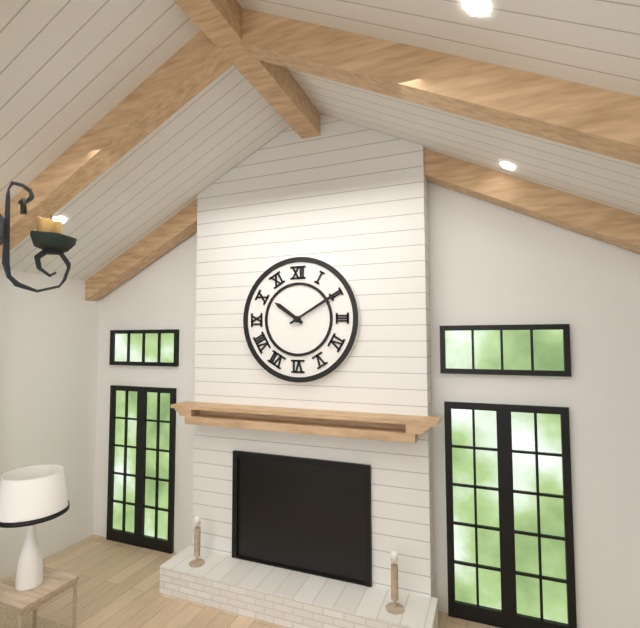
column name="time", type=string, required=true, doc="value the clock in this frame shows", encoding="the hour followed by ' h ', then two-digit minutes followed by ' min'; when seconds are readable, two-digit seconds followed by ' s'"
10 h 10 min
